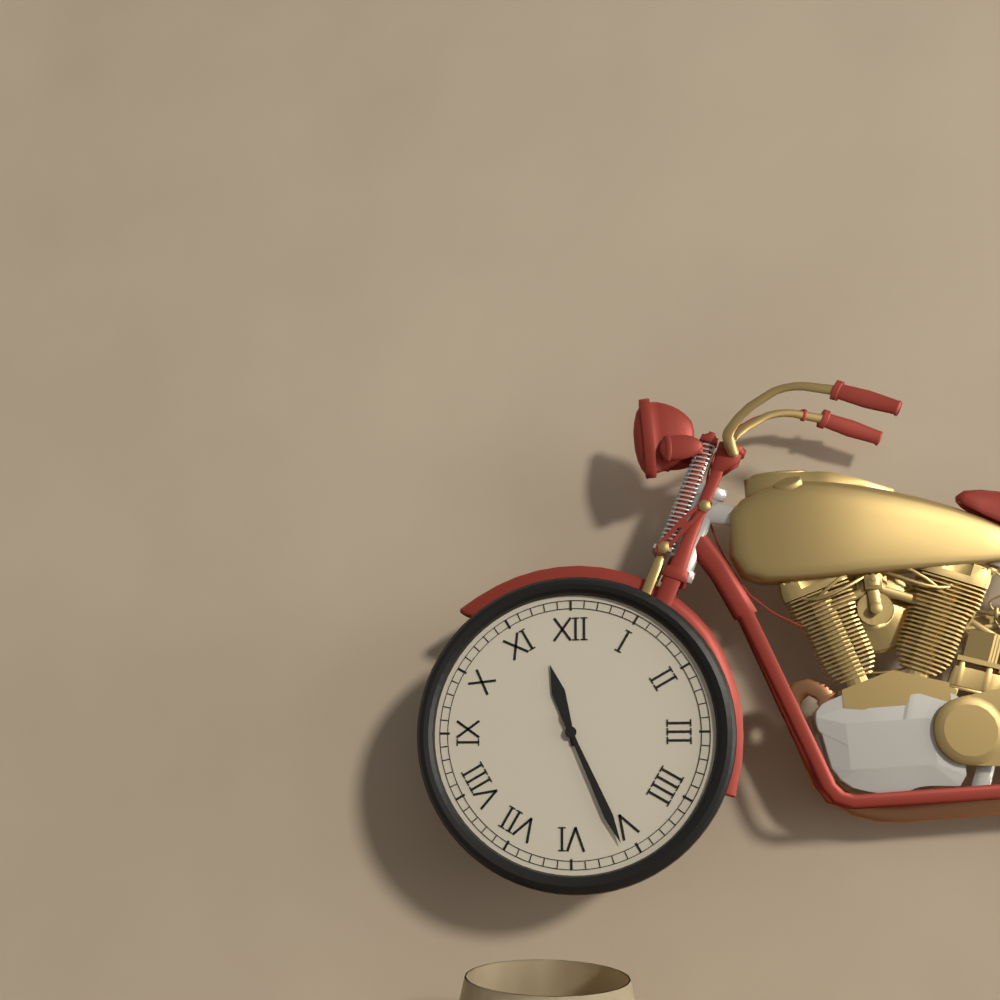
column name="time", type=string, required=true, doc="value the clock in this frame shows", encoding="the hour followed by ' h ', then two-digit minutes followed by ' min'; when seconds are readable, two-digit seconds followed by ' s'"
11 h 26 min
